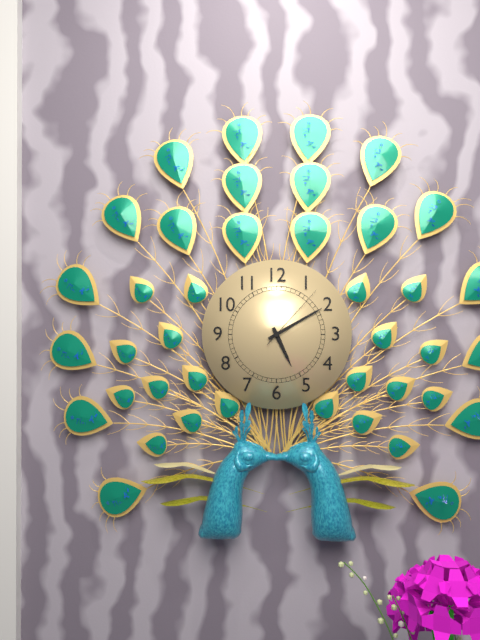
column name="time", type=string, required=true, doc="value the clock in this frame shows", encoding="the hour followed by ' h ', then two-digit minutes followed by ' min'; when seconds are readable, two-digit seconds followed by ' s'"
5 h 10 min 07 s
